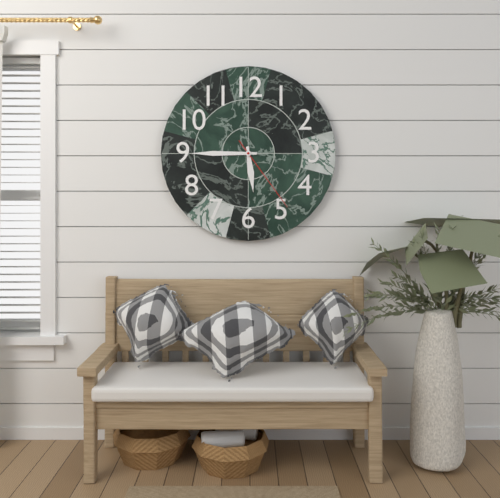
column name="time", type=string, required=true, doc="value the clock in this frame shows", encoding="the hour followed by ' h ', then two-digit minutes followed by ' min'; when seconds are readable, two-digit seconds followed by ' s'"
5 h 45 min 24 s
